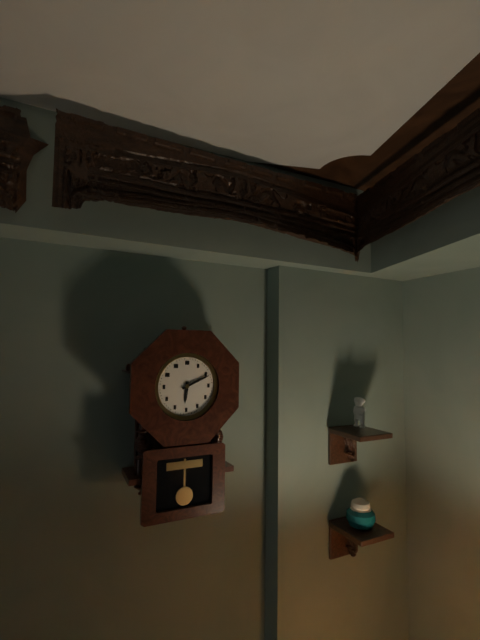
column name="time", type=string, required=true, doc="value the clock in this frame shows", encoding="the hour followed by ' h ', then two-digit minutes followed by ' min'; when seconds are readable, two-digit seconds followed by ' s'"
6 h 11 min
